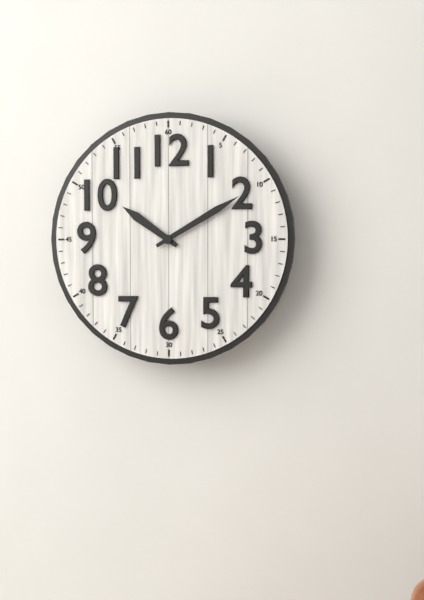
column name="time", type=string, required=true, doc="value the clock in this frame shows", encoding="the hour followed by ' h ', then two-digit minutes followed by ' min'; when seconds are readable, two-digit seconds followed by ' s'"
10 h 10 min
